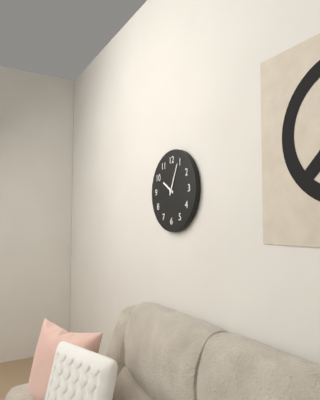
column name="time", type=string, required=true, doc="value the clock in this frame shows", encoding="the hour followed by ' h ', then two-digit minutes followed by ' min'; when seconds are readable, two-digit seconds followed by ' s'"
10 h 04 min
